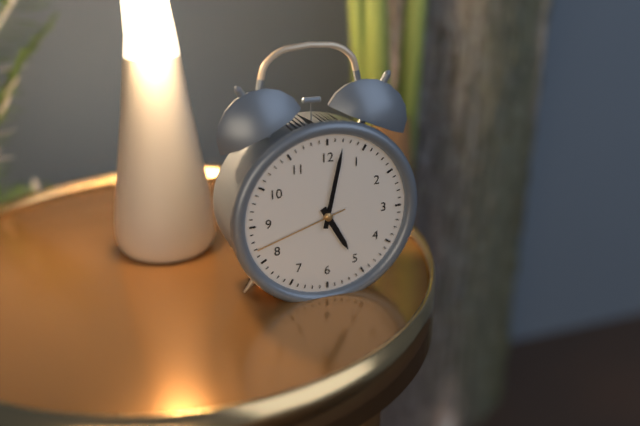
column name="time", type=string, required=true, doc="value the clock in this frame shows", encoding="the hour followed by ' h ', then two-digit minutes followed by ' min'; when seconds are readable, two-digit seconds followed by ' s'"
5 h 02 min 42 s
